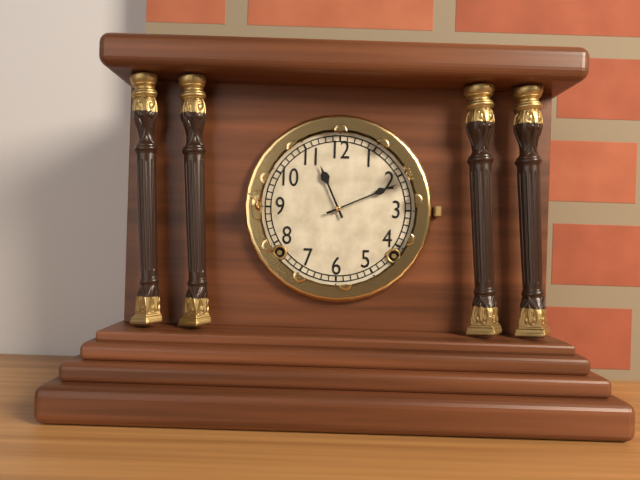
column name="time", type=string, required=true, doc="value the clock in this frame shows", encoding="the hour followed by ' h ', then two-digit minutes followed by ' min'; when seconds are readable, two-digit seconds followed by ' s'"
11 h 11 min
